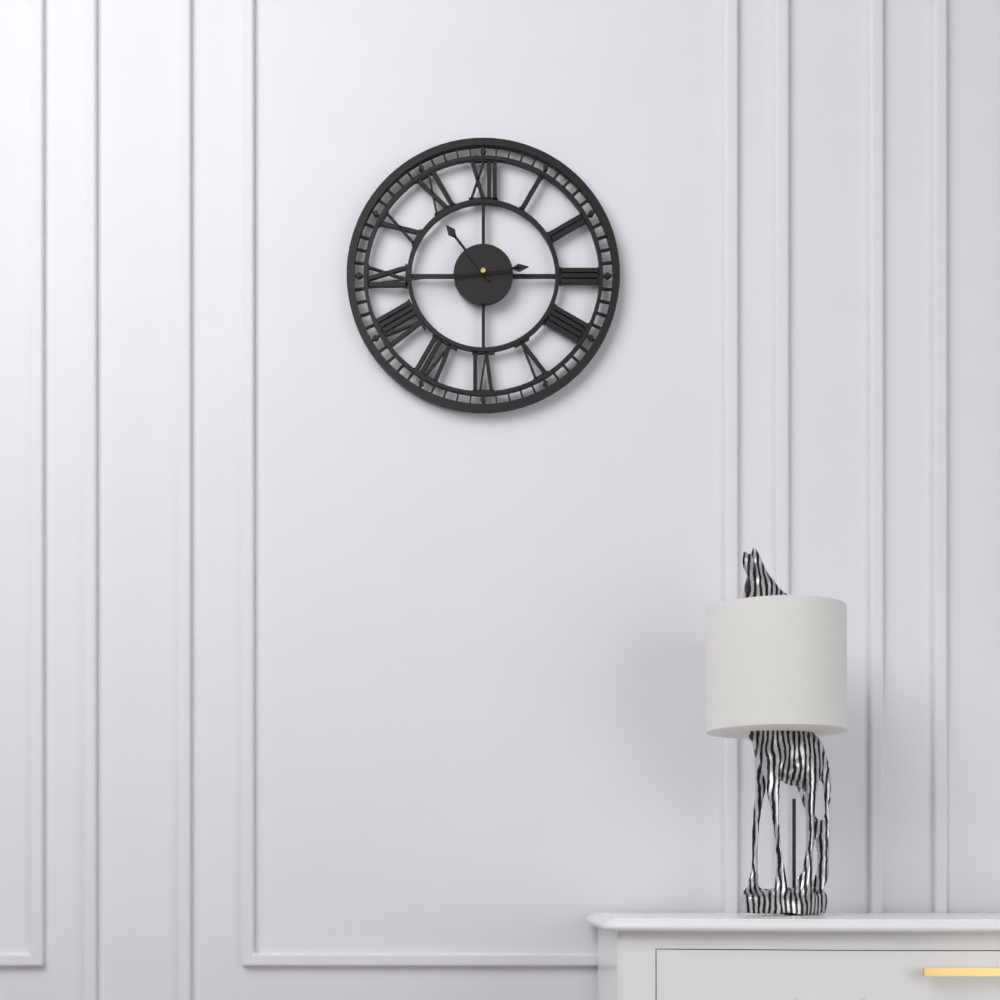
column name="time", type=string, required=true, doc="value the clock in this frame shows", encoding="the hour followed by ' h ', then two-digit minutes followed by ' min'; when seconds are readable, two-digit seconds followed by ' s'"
10 h 44 min
